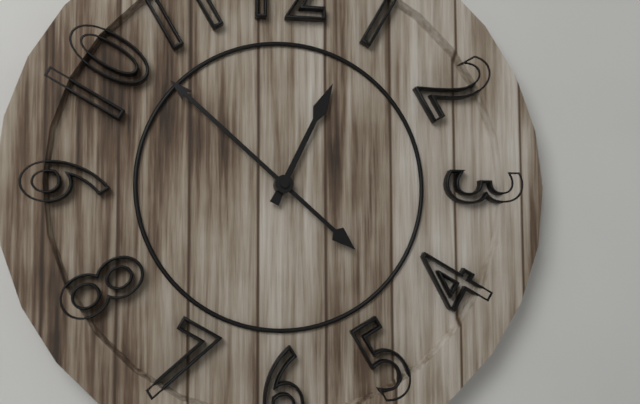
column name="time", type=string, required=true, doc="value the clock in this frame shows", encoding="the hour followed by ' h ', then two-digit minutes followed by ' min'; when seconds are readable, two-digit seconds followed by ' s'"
12 h 52 min
